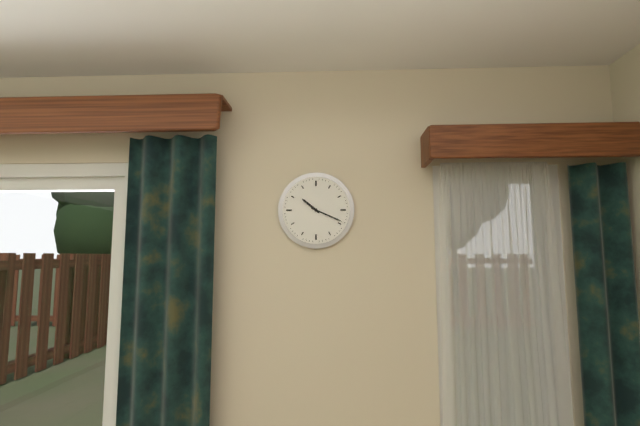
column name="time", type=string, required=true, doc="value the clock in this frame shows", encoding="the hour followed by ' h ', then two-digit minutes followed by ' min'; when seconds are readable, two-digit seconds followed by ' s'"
10 h 19 min
